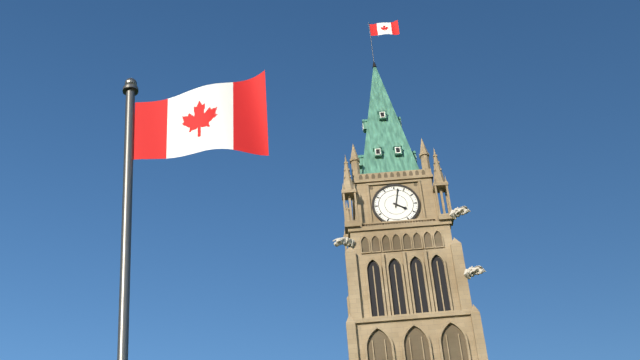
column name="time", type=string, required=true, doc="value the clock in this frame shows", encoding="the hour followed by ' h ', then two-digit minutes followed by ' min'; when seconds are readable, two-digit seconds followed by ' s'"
4 h 02 min
